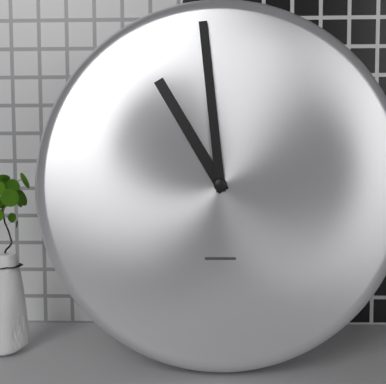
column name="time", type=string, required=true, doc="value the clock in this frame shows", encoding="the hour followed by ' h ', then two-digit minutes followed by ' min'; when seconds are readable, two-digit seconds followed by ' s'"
10 h 59 min
